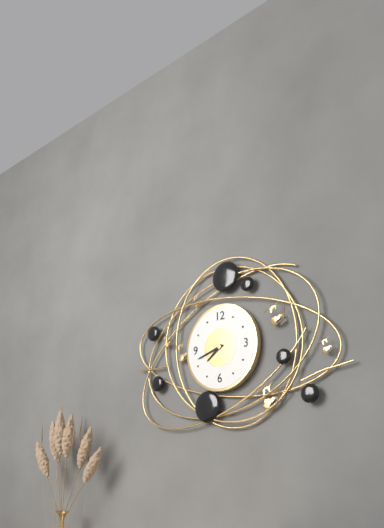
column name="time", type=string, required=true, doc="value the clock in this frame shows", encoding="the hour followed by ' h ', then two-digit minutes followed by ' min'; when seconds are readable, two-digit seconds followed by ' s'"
7 h 42 min
